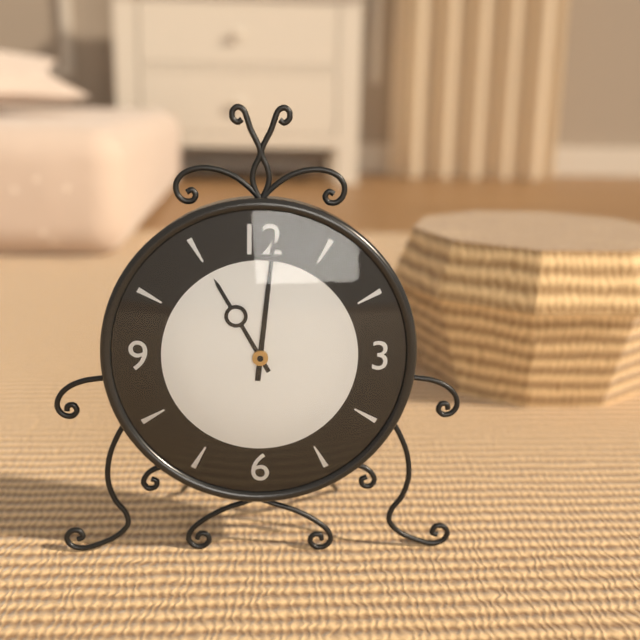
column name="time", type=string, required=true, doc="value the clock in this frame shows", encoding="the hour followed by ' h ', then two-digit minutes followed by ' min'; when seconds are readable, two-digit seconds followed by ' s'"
11 h 01 min
